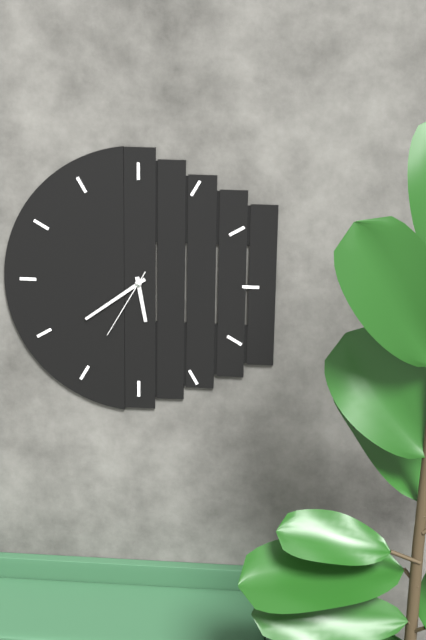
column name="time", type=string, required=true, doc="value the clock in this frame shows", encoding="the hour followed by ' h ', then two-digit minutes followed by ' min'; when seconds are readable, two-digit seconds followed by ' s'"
5 h 39 min 35 s
